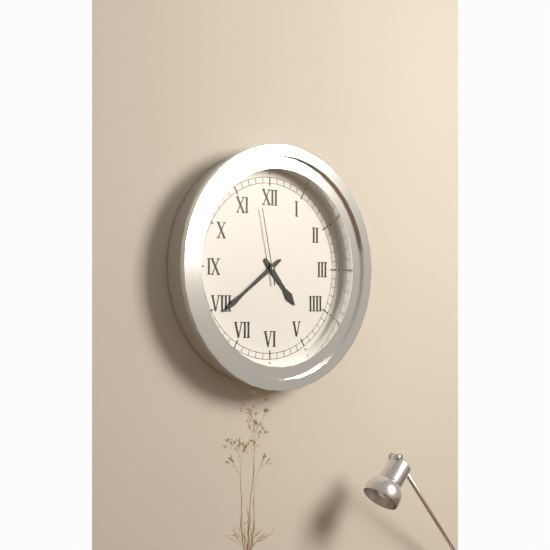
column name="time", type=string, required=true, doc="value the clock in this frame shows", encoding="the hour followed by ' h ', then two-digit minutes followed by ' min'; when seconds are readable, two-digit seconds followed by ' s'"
4 h 39 min 58 s
